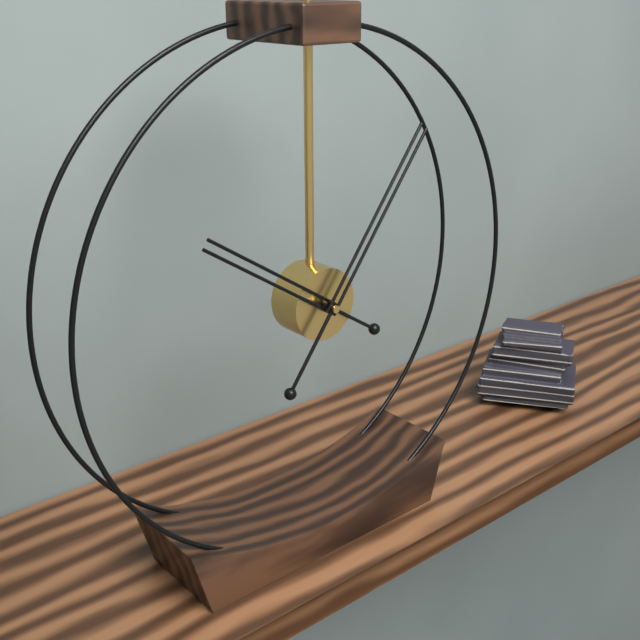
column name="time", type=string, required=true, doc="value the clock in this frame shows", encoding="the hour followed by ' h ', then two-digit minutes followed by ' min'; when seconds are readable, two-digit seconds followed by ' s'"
10 h 06 min
